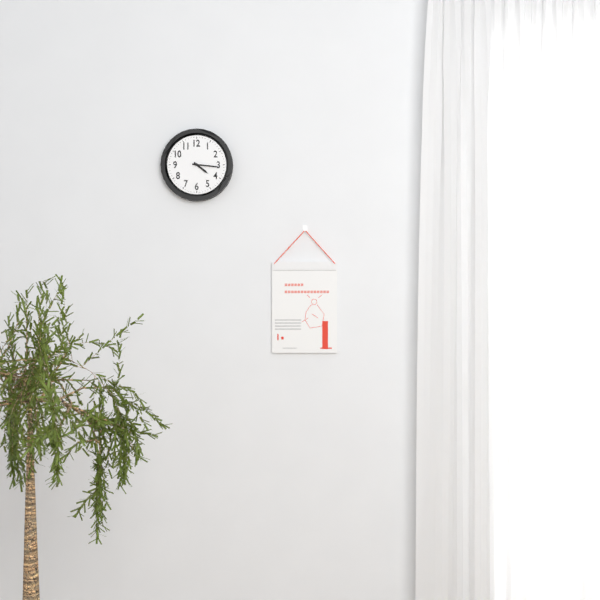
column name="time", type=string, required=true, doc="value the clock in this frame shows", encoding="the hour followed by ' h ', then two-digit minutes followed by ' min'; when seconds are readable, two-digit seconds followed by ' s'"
4 h 16 min
